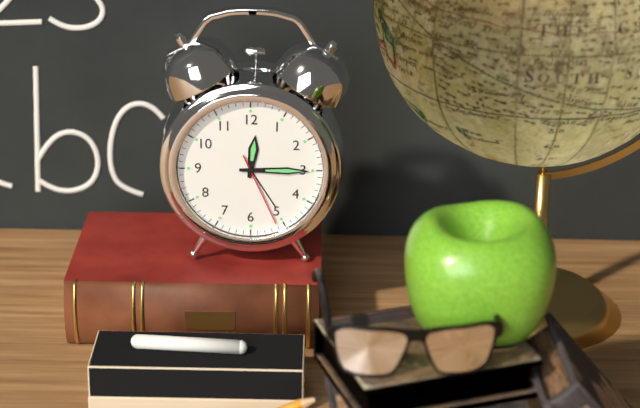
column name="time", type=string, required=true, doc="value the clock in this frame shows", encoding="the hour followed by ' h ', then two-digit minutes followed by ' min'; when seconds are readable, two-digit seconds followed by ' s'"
12 h 15 min 26 s
